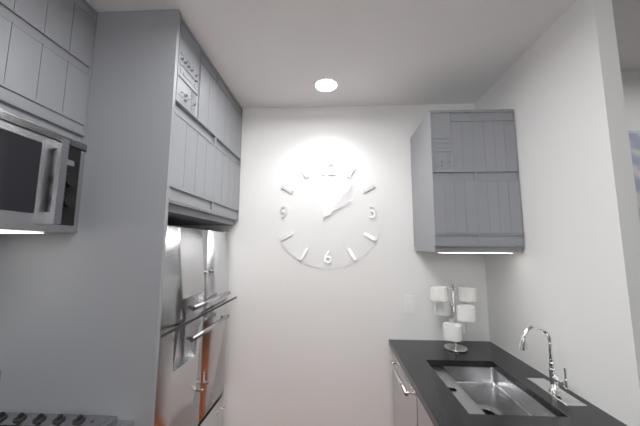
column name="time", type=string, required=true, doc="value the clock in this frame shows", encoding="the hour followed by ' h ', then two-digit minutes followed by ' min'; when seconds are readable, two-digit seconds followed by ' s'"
2 h 07 min
